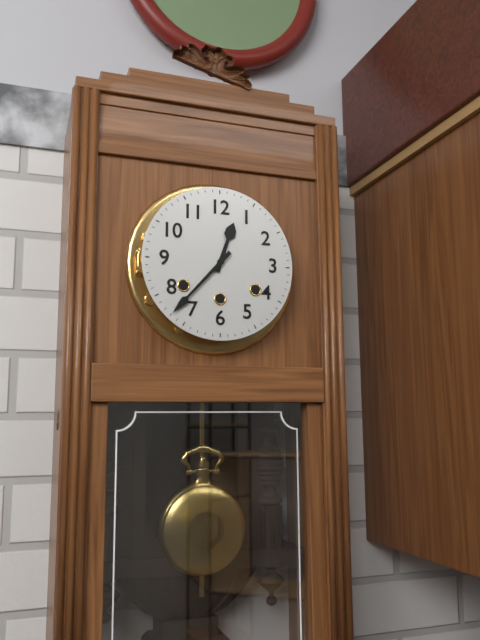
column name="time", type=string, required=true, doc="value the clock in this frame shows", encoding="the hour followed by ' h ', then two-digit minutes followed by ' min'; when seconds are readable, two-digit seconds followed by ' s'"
12 h 37 min
